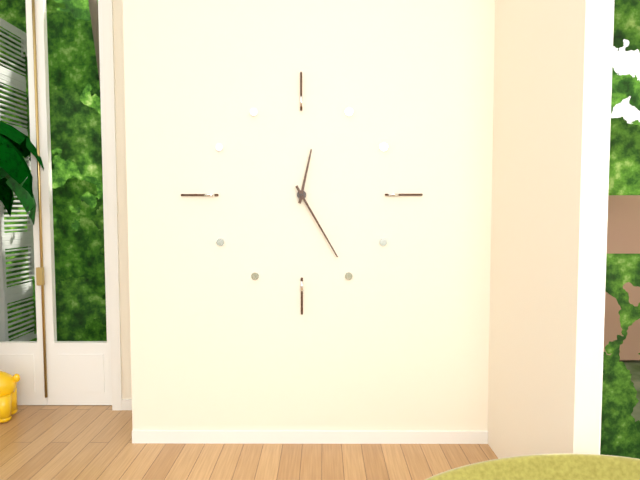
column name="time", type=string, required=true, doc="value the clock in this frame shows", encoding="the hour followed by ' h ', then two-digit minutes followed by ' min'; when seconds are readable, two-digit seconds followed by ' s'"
12 h 25 min
